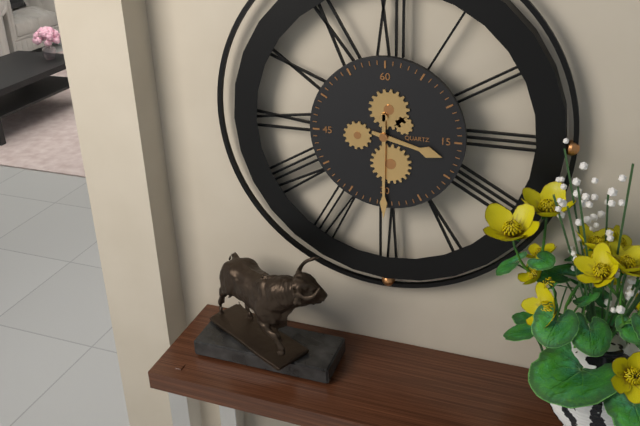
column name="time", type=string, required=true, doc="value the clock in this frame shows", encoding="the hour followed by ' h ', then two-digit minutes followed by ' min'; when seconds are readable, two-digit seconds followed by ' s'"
3 h 30 min
